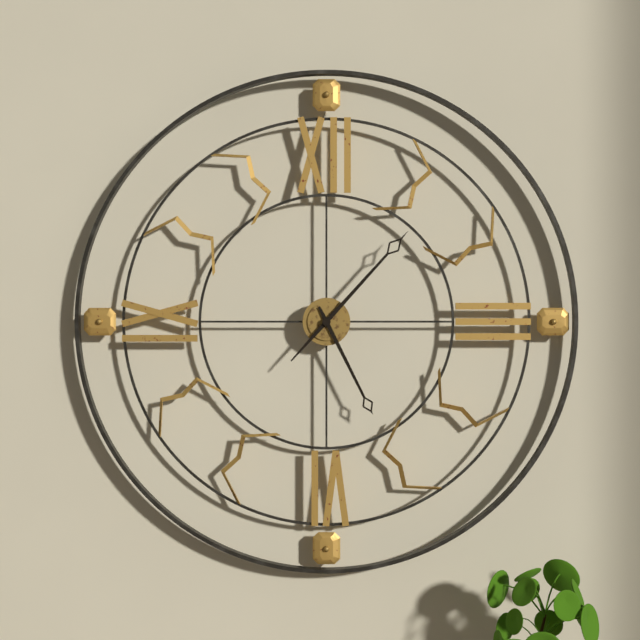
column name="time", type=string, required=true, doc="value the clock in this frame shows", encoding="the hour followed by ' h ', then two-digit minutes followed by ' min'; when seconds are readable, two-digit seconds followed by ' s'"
5 h 07 min
